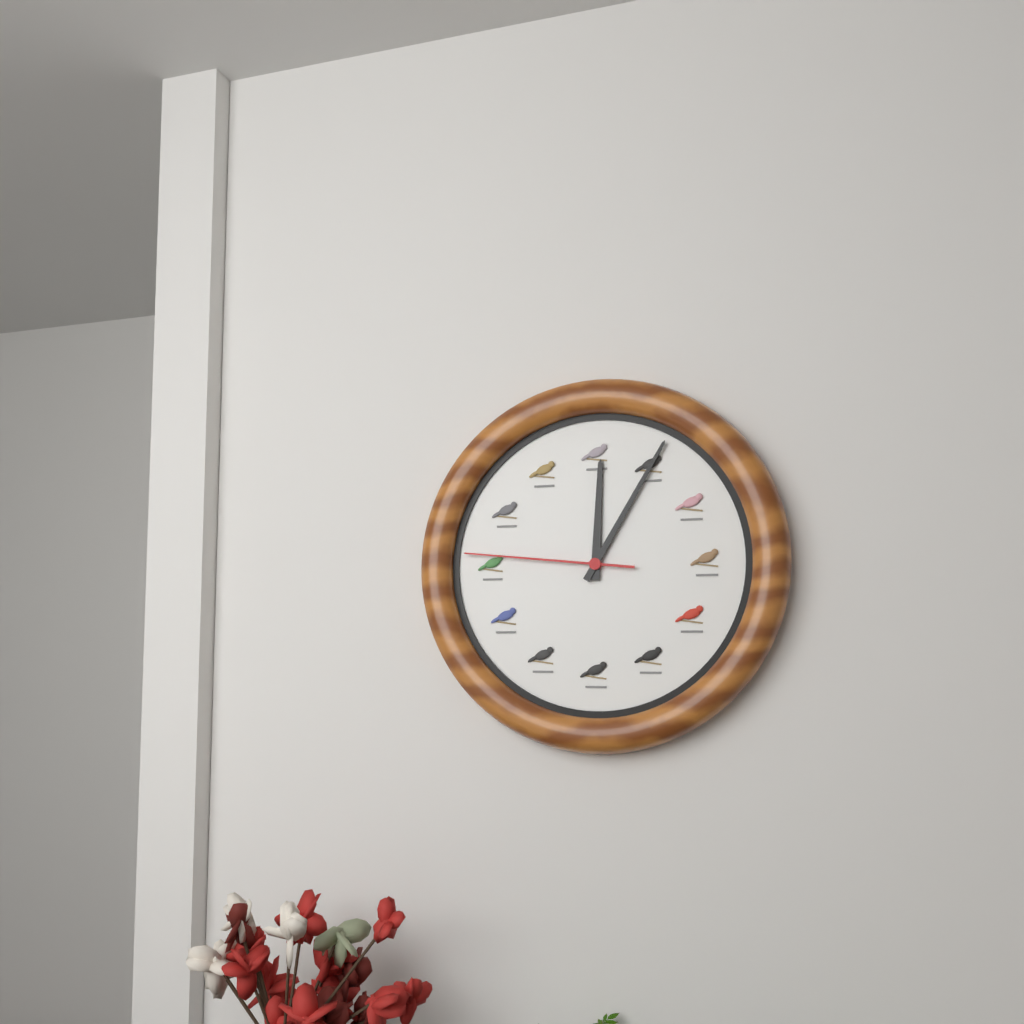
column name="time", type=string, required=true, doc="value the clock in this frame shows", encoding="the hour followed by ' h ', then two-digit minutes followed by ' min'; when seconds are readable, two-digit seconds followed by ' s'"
12 h 05 min 46 s
